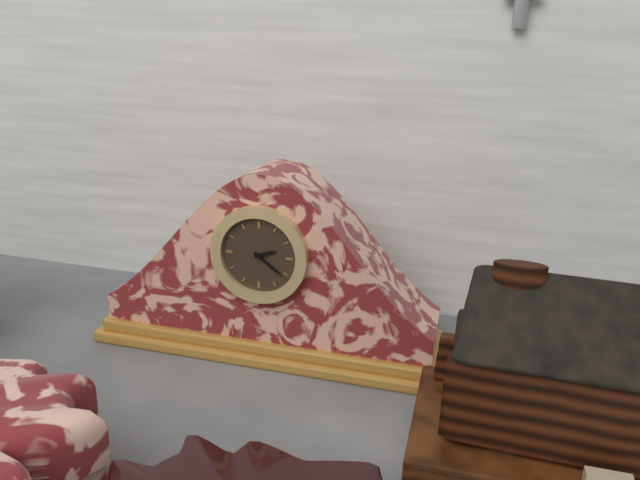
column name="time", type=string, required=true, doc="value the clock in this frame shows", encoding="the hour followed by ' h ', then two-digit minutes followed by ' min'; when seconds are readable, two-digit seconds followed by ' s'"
2 h 21 min
